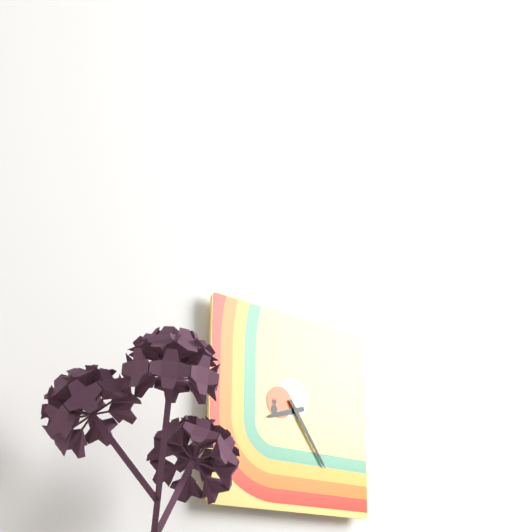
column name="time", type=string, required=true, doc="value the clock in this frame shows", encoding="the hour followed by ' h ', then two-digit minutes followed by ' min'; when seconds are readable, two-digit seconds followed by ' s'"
8 h 24 min
